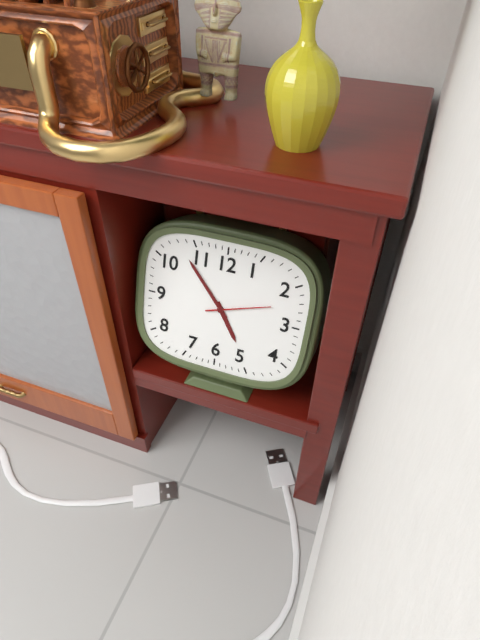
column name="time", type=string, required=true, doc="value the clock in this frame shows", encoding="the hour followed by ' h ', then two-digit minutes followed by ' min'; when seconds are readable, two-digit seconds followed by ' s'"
4 h 53 min 12 s
